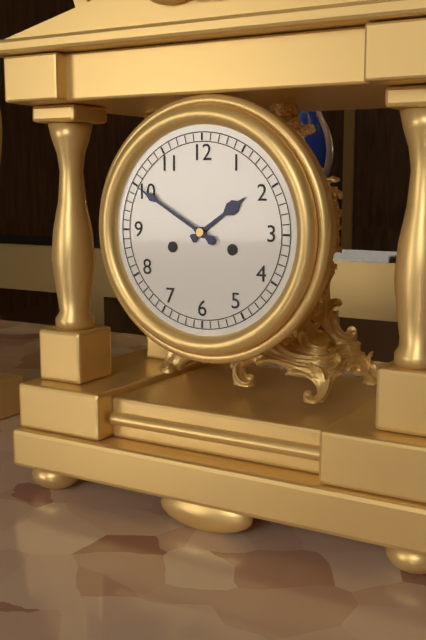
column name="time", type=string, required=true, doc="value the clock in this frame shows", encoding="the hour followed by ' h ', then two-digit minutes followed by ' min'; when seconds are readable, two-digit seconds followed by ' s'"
1 h 50 min
